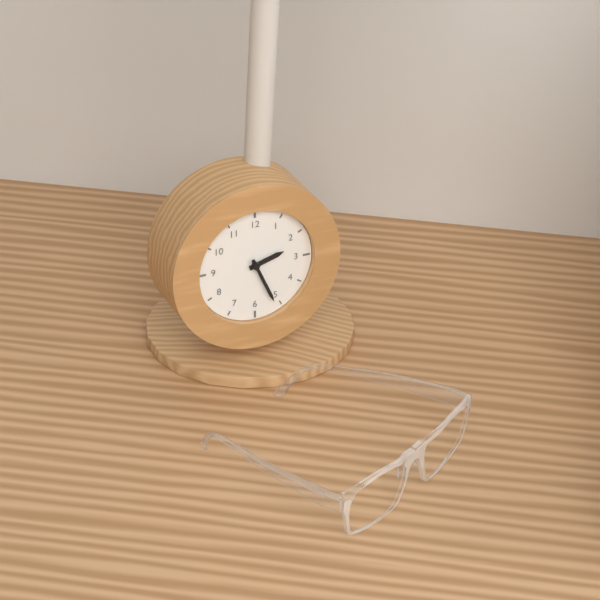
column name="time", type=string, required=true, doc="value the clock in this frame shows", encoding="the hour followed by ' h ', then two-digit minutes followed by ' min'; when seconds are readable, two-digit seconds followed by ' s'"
2 h 26 min
